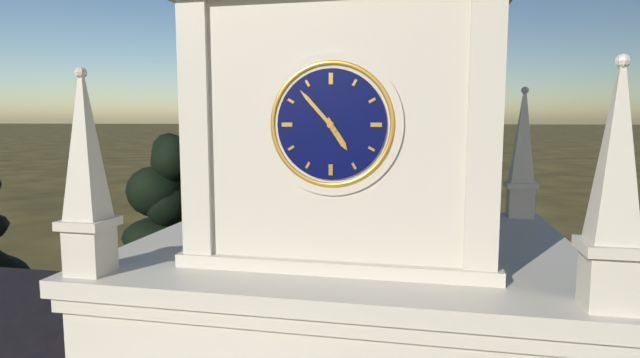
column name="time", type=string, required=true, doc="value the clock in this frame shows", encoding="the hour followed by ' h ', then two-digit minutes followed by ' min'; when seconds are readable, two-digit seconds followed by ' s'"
4 h 53 min
